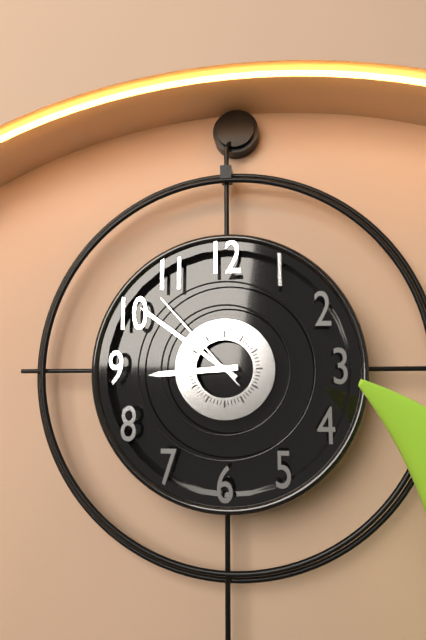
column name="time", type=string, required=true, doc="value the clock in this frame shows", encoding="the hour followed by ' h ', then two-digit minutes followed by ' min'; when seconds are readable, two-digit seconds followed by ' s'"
8 h 51 min 53 s
